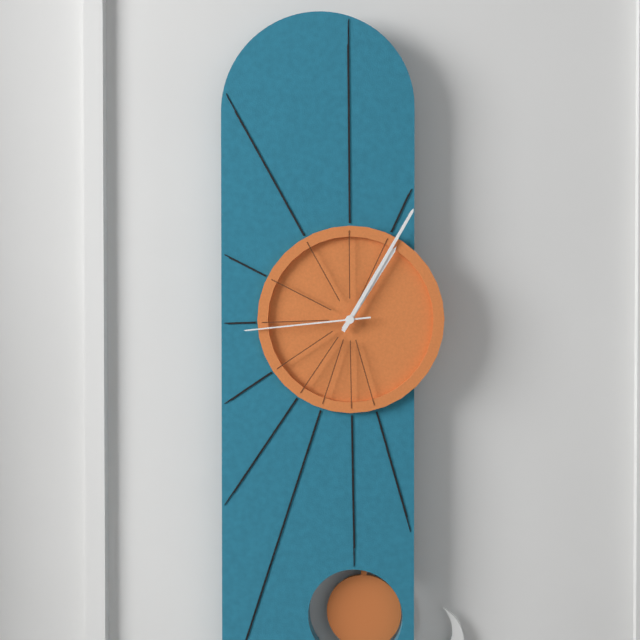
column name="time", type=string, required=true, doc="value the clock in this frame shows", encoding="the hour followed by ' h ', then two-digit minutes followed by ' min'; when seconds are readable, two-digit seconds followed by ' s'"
1 h 05 min 44 s
